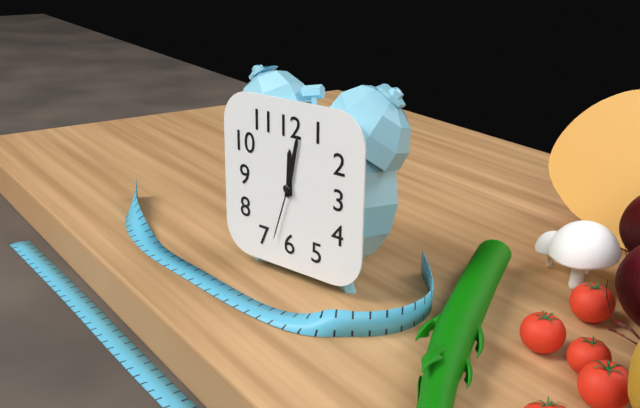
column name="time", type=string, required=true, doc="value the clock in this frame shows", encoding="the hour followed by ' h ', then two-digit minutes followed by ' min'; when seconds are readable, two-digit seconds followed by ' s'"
12 h 02 min 33 s
